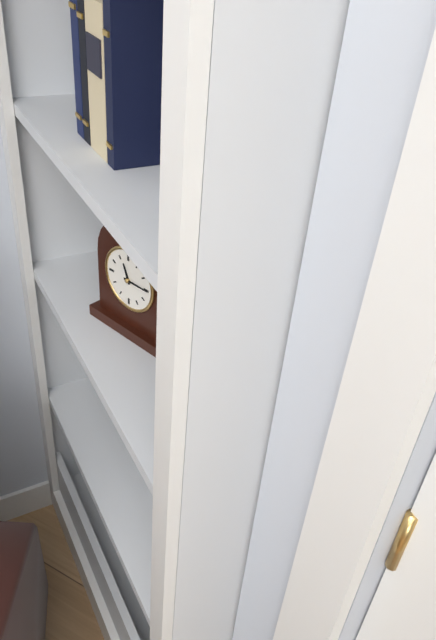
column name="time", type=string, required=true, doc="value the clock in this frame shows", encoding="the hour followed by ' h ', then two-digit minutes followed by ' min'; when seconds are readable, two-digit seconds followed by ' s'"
11 h 15 min
